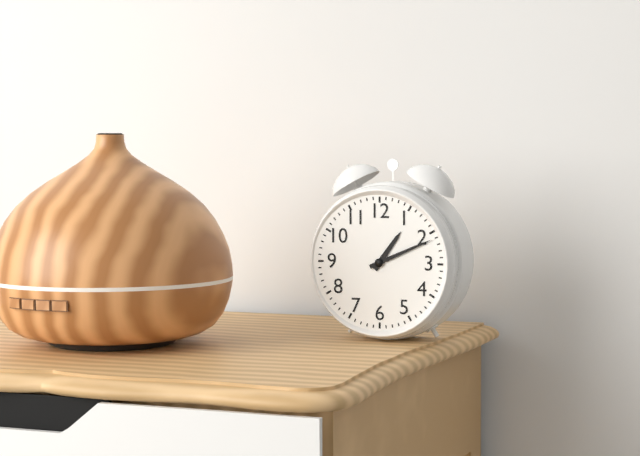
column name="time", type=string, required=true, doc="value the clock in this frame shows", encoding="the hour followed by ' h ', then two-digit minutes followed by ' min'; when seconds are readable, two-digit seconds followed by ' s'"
1 h 11 min
